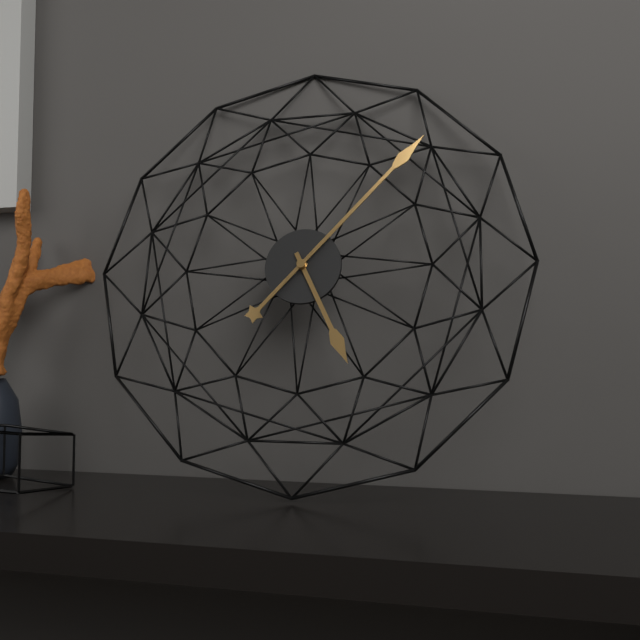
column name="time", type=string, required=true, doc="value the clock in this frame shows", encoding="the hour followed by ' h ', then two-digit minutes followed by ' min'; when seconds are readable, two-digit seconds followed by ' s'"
5 h 07 min
